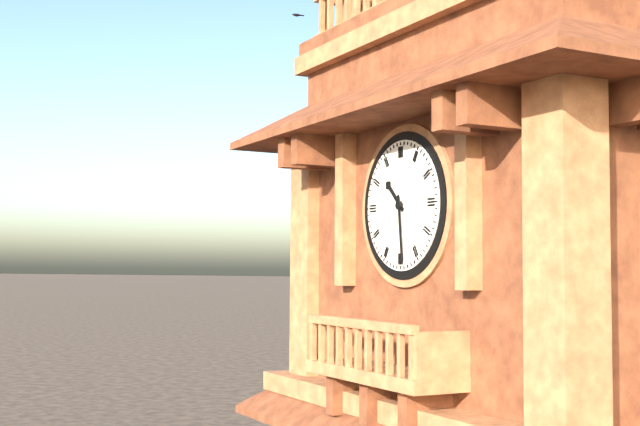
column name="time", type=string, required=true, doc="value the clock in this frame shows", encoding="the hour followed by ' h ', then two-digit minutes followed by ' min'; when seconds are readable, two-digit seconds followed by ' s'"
10 h 29 min
